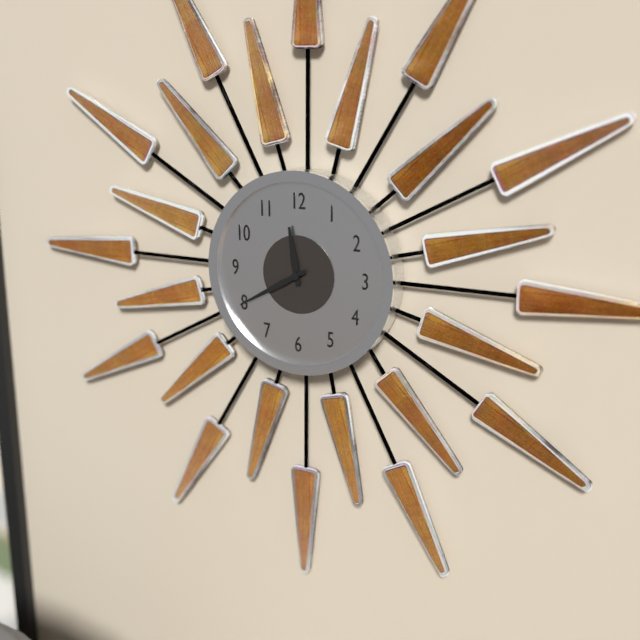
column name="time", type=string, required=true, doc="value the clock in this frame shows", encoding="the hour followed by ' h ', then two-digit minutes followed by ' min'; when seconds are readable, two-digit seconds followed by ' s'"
11 h 40 min
